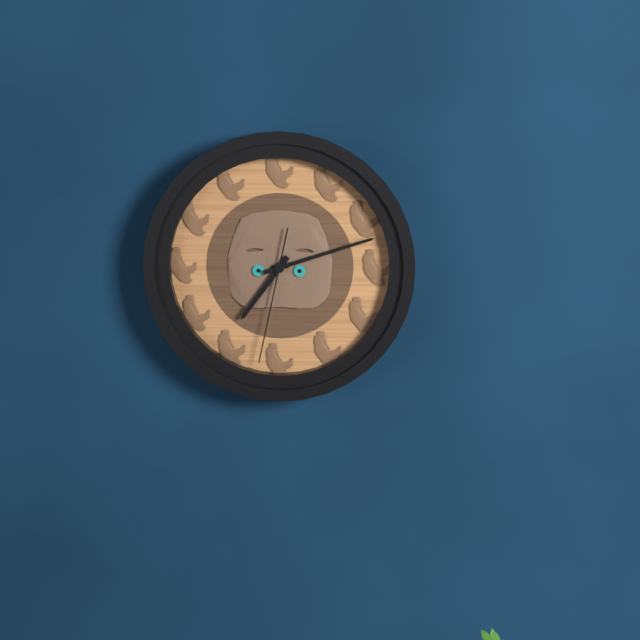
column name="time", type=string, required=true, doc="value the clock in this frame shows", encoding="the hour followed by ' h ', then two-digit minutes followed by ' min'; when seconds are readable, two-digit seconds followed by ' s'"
7 h 12 min 32 s
